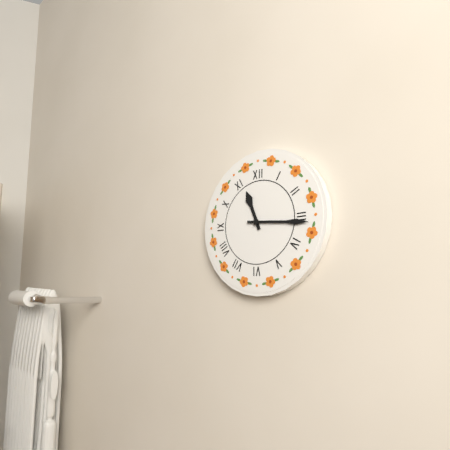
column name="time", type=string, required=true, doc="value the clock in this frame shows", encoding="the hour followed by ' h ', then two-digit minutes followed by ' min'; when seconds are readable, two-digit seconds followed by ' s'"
11 h 16 min
